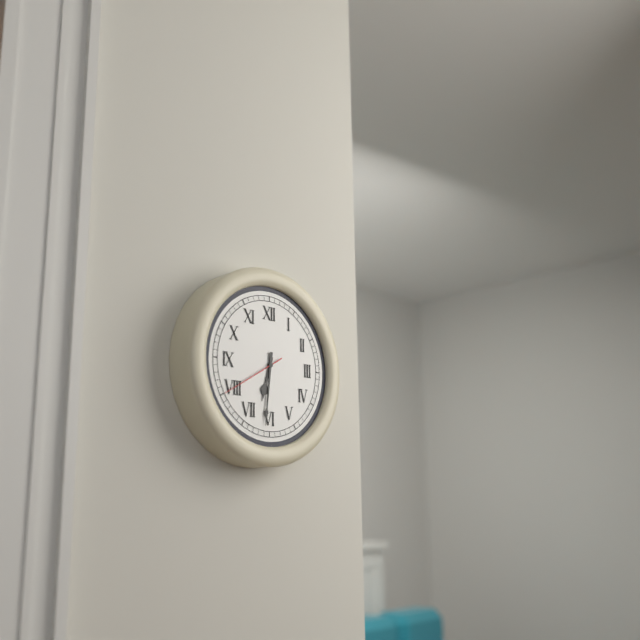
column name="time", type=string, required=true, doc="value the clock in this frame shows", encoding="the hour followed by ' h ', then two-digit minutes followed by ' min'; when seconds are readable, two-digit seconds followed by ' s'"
6 h 31 min
